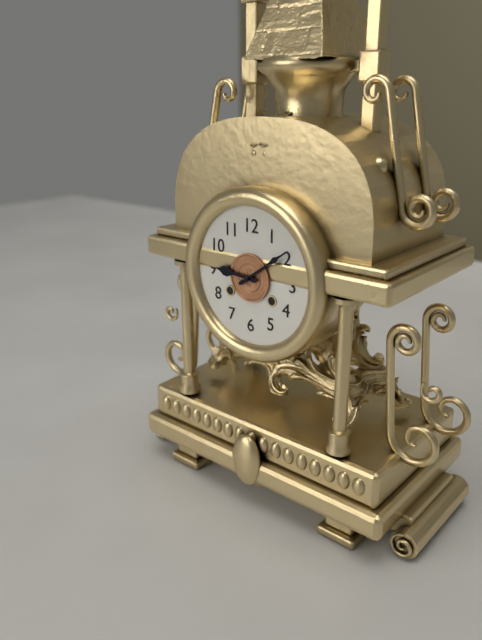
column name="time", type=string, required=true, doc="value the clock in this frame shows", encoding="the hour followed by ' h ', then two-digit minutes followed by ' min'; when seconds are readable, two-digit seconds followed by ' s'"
9 h 09 min
